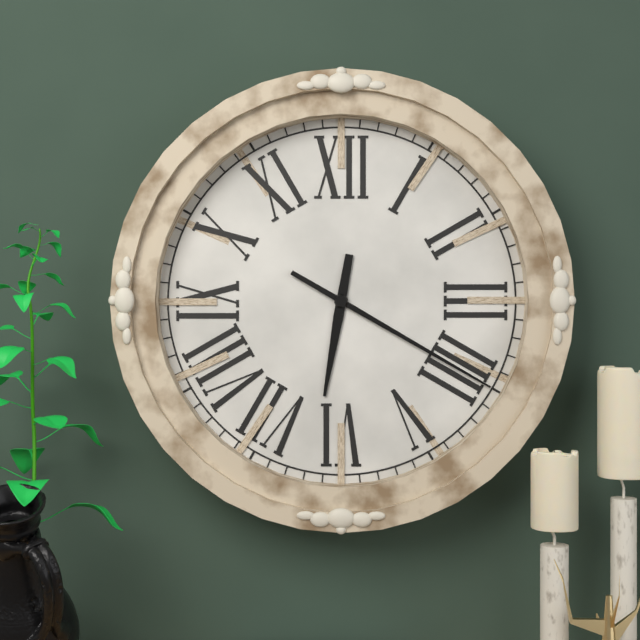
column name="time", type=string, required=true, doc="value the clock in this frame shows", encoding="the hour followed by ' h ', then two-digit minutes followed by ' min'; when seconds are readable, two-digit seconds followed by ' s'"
6 h 20 min
